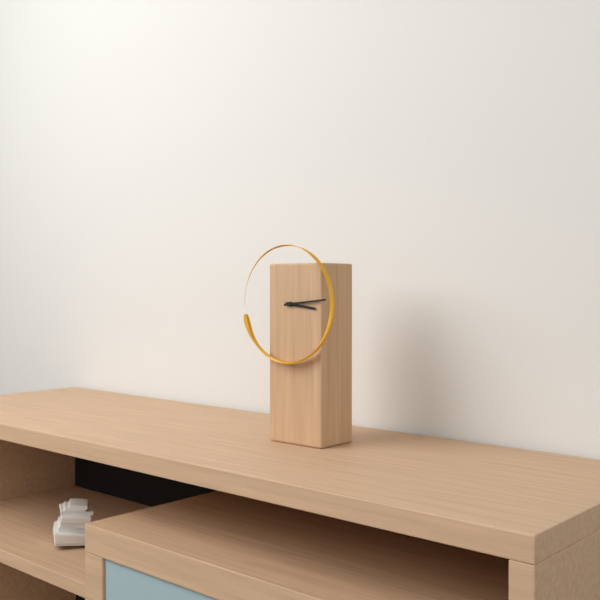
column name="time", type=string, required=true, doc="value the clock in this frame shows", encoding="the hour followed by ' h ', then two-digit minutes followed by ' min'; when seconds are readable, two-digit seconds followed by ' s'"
3 h 14 min
